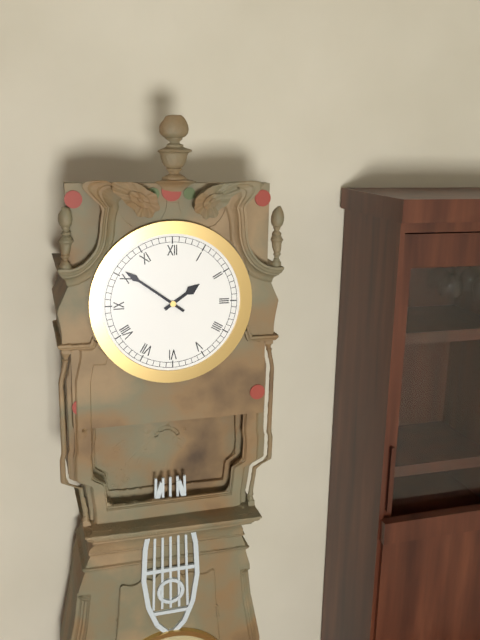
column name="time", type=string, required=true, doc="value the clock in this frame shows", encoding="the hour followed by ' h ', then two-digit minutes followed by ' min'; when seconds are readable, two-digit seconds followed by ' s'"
1 h 51 min
